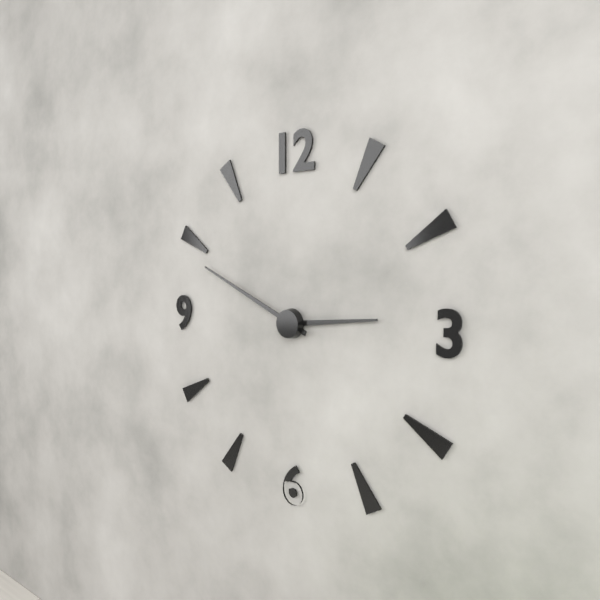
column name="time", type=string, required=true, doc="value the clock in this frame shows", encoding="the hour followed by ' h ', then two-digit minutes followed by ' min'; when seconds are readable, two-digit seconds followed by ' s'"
2 h 49 min
